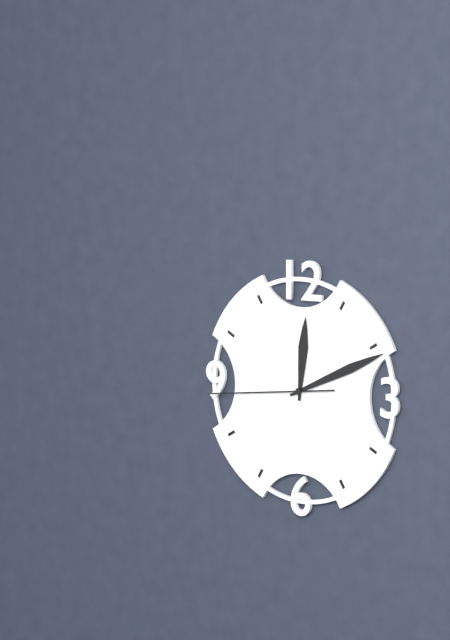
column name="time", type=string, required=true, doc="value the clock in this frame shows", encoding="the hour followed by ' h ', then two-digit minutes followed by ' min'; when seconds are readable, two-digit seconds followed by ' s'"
12 h 11 min 44 s
